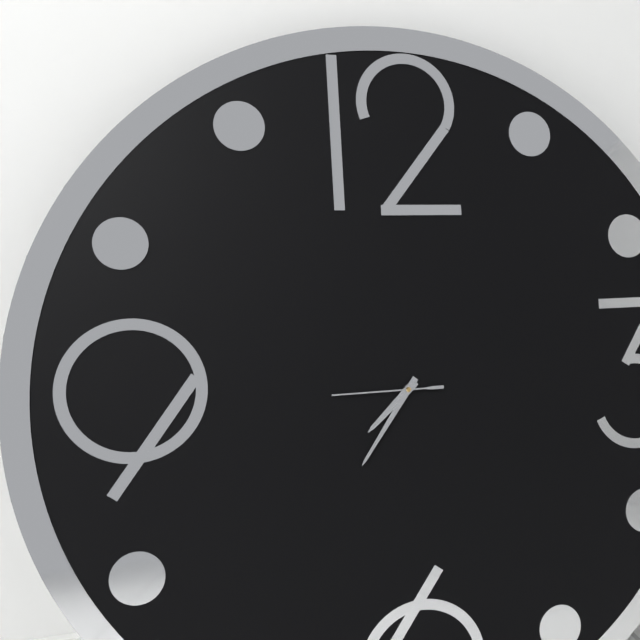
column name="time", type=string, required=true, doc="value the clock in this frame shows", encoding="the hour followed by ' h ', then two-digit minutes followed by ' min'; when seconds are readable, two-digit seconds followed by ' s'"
7 h 36 min 45 s
